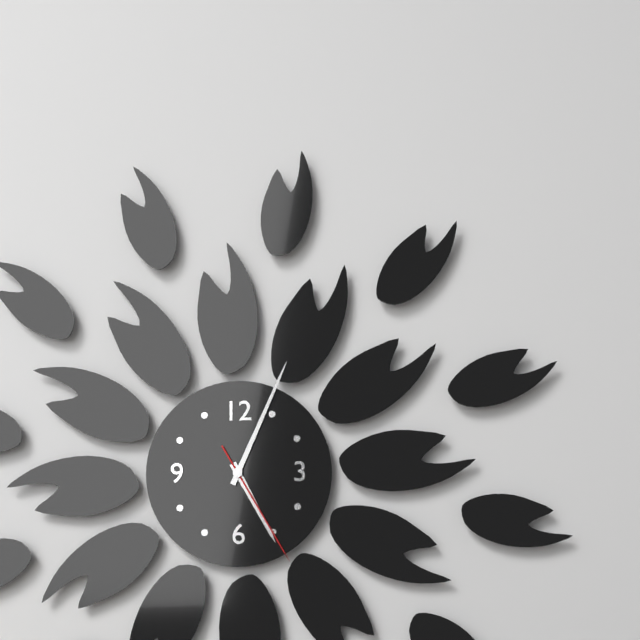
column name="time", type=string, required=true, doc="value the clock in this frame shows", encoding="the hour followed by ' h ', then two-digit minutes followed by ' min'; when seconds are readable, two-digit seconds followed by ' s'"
5 h 04 min 25 s
